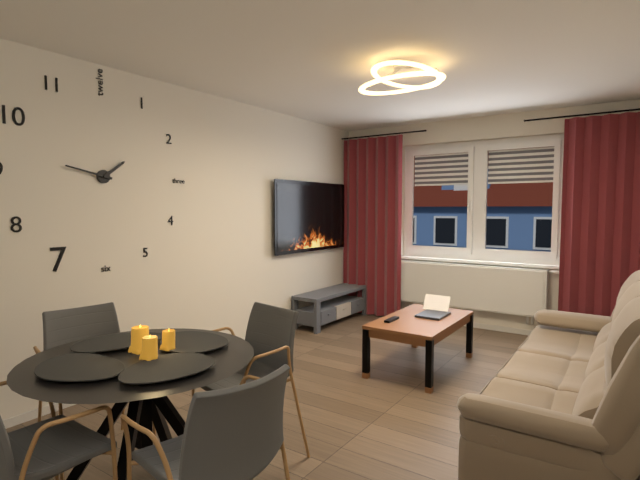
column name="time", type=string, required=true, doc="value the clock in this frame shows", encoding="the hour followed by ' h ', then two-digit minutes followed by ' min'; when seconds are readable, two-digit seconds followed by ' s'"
1 h 47 min
